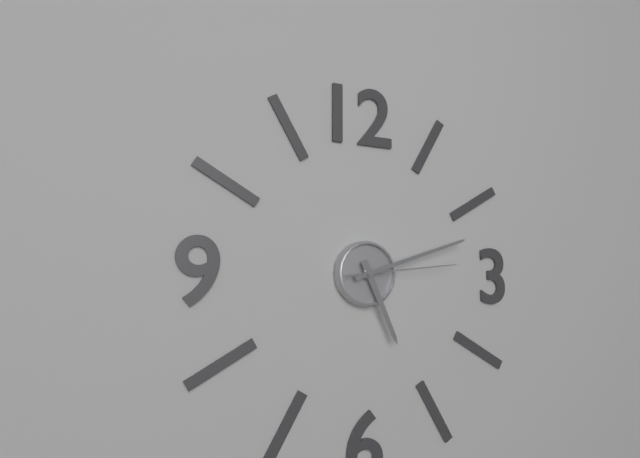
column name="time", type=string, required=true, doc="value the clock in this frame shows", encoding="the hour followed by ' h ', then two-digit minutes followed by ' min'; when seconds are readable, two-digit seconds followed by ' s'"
5 h 12 min 14 s
